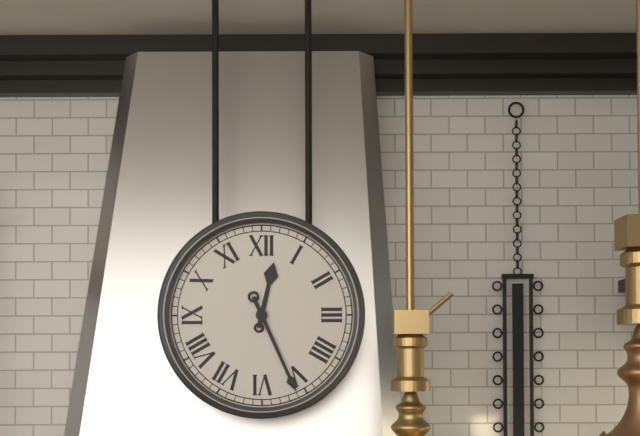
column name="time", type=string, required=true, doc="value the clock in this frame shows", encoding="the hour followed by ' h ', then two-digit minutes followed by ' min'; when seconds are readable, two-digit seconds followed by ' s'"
12 h 26 min
